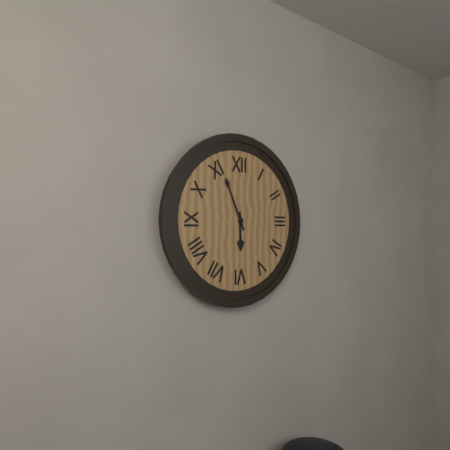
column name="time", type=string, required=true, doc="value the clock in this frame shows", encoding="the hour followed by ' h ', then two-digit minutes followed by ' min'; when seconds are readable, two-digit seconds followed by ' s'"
5 h 56 min
